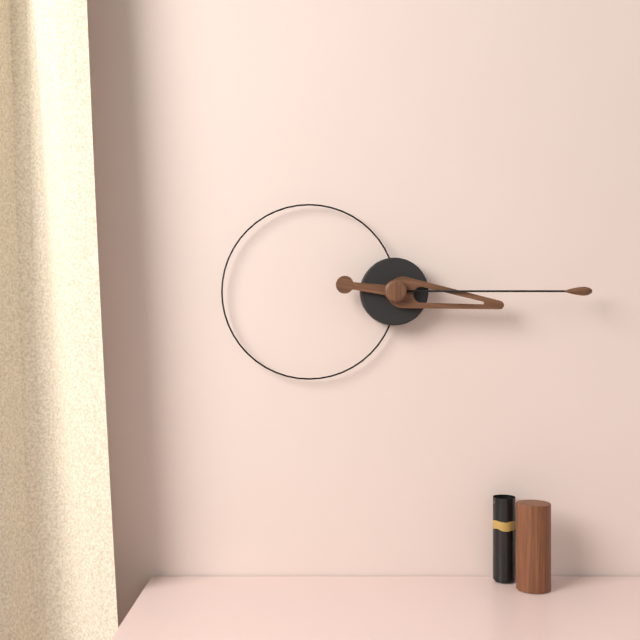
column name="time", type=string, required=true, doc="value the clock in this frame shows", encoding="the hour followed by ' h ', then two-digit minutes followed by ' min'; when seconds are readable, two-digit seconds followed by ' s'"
3 h 15 min
